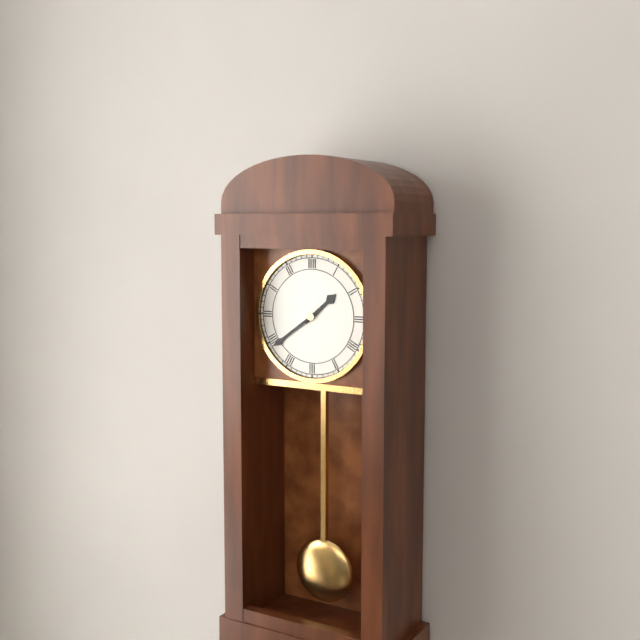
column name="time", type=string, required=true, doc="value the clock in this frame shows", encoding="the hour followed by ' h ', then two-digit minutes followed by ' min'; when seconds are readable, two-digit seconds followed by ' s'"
1 h 39 min
